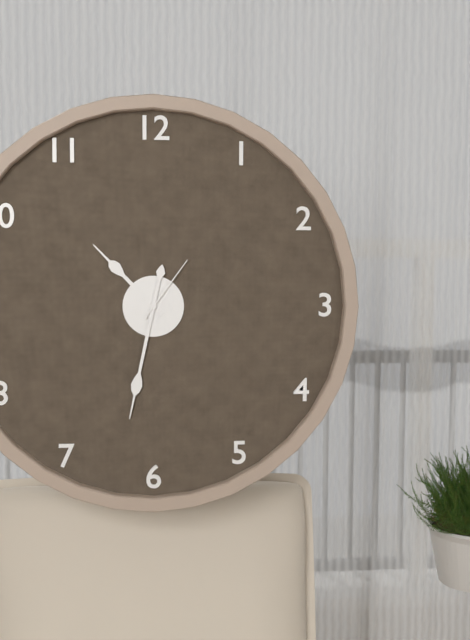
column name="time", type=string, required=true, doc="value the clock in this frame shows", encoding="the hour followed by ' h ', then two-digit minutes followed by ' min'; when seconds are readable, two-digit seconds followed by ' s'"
10 h 32 min 06 s
